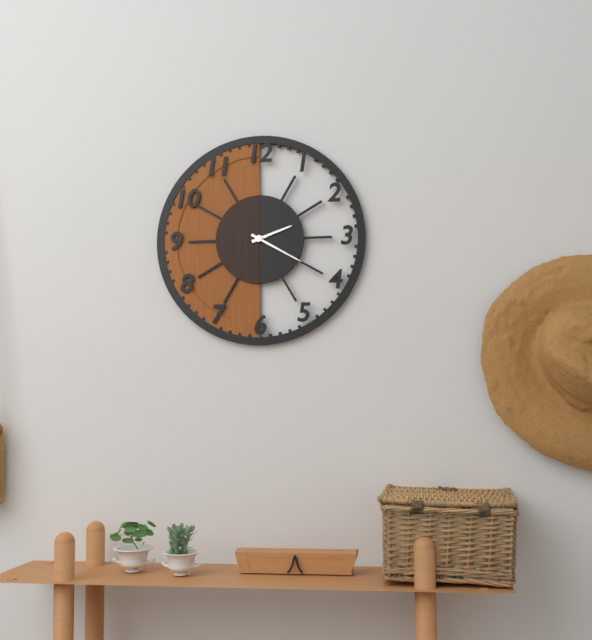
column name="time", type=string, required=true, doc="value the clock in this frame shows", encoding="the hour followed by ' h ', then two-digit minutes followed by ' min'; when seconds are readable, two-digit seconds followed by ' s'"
2 h 20 min
